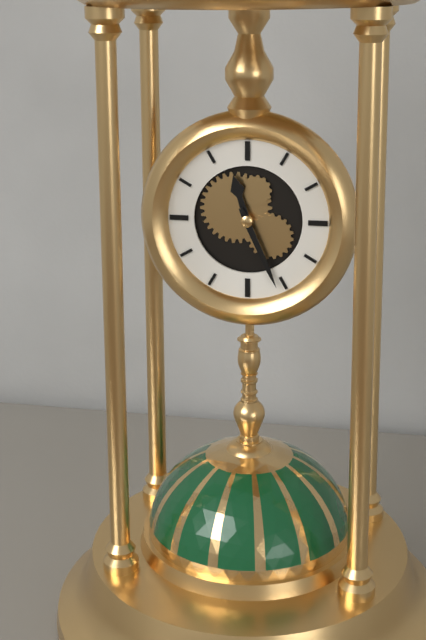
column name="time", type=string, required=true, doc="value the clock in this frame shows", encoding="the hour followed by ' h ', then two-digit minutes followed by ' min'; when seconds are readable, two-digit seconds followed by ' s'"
11 h 26 min
